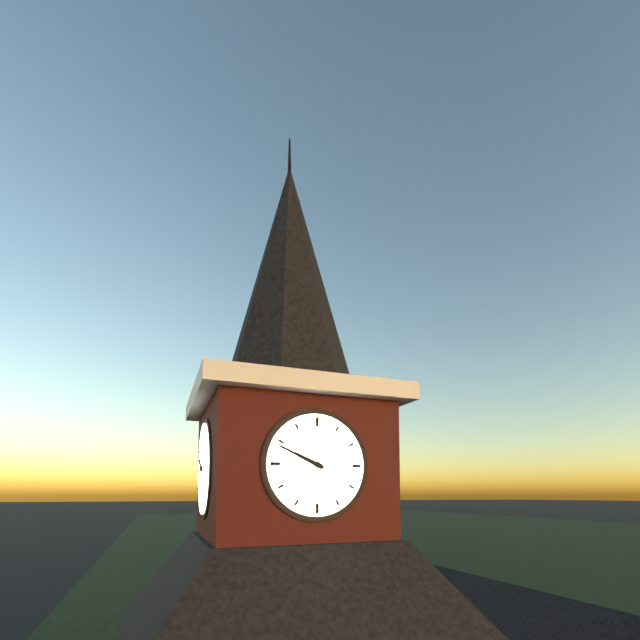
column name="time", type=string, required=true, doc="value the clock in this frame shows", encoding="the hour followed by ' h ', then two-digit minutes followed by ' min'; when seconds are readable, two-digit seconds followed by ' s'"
9 h 49 min
